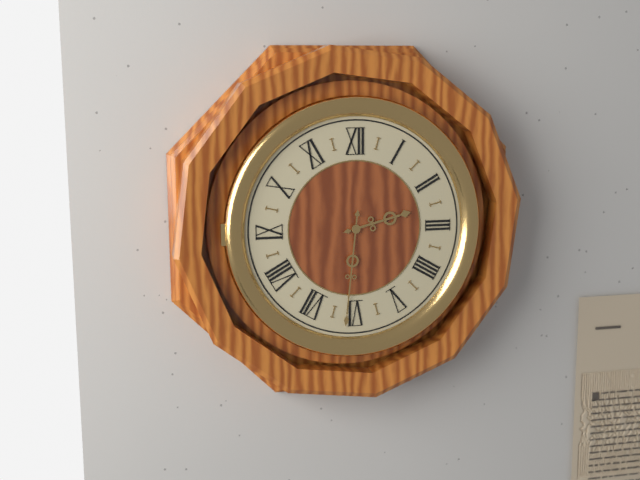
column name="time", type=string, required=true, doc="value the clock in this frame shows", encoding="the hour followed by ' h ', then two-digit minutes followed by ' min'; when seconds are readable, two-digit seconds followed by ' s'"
2 h 31 min
